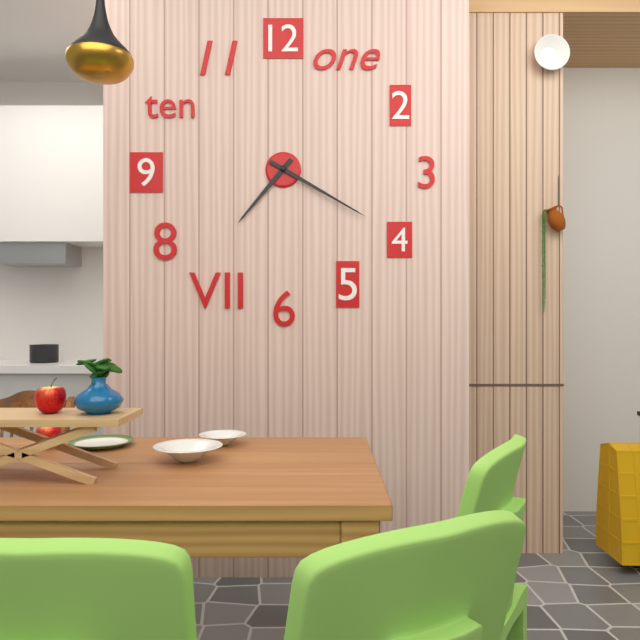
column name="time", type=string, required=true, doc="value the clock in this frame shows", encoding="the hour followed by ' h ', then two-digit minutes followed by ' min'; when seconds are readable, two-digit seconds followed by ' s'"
7 h 20 min
